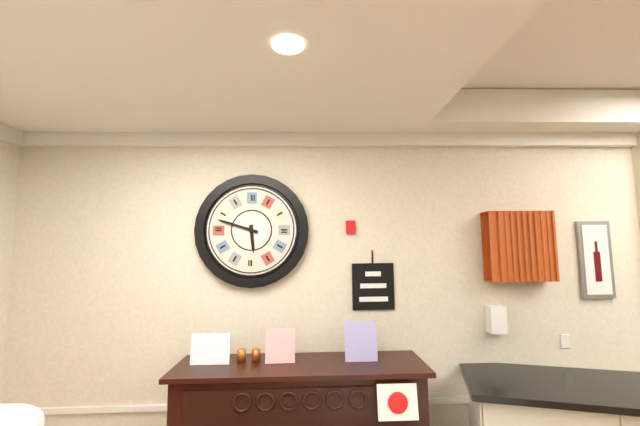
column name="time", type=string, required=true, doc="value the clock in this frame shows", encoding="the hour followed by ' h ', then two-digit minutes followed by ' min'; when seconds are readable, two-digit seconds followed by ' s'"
5 h 48 min
